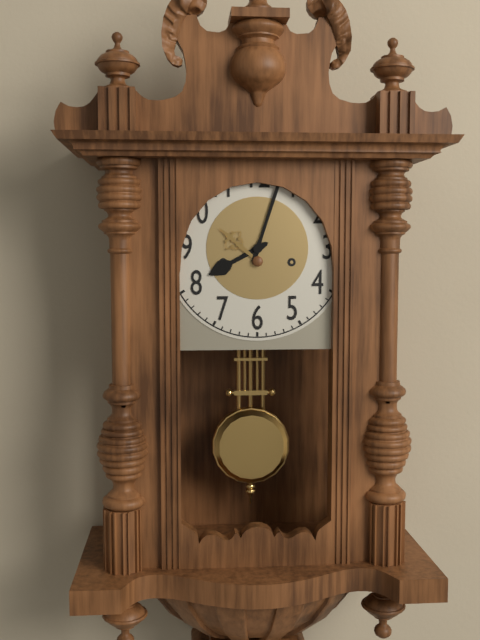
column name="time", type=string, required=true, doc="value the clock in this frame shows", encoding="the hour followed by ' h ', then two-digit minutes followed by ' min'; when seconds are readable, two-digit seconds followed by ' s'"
8 h 03 min
